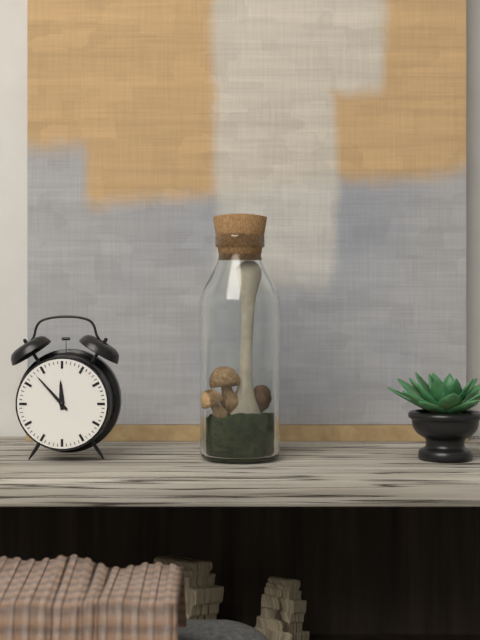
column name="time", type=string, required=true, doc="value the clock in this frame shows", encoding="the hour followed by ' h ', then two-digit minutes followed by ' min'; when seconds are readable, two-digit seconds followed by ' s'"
11 h 53 min
